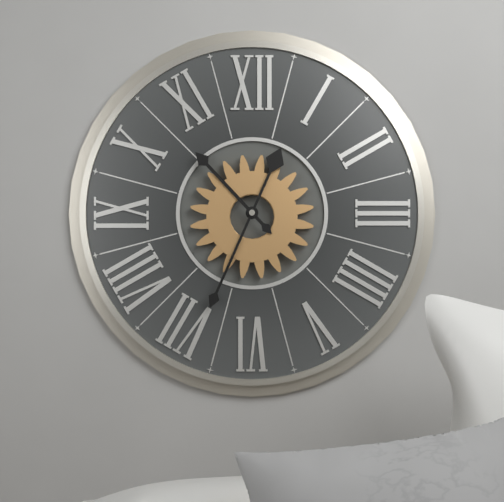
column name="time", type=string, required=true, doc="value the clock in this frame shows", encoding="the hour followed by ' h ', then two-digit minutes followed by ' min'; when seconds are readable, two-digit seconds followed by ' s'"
10 h 34 min
